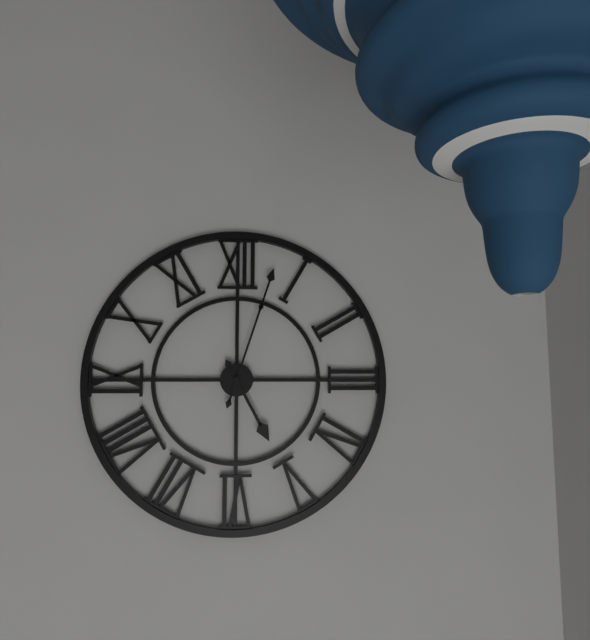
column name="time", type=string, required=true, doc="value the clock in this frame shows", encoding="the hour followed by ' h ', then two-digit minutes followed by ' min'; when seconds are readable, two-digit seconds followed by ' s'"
5 h 03 min
